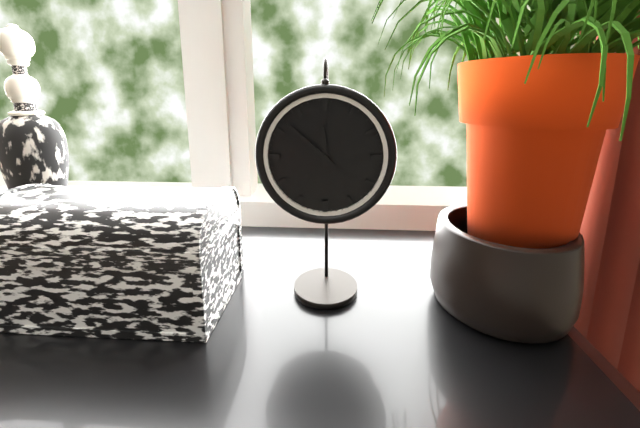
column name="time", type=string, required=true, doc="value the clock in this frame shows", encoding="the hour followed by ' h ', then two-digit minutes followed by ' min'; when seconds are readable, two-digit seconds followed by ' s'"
11 h 52 min
